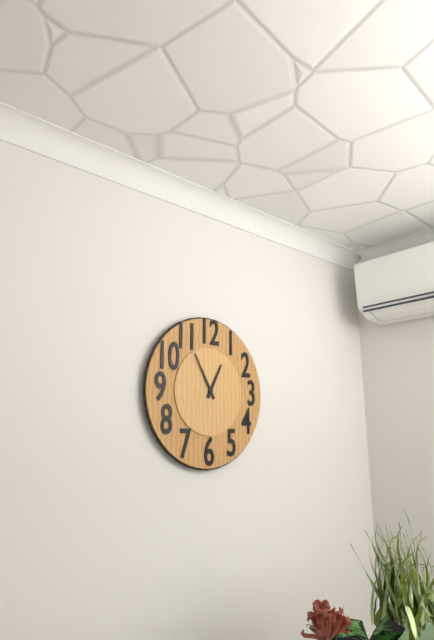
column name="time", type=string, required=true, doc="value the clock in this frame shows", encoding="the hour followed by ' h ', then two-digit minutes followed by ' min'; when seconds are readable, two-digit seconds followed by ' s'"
12 h 55 min
